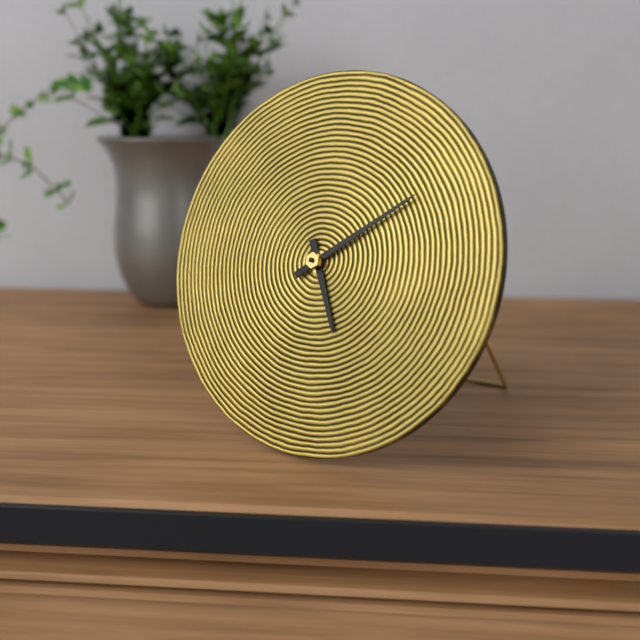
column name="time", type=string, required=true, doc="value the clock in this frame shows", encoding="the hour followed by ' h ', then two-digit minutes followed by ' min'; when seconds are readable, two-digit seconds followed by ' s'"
5 h 09 min
